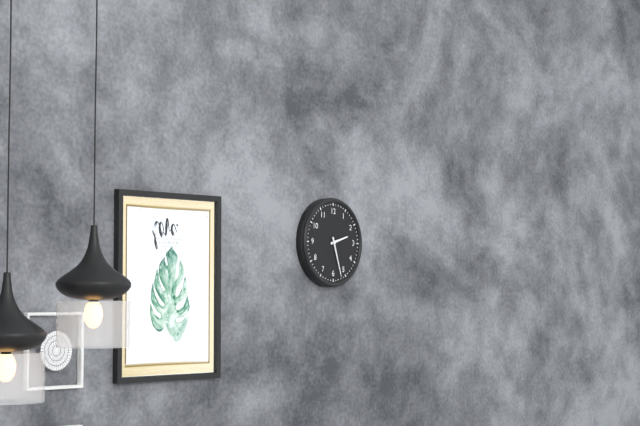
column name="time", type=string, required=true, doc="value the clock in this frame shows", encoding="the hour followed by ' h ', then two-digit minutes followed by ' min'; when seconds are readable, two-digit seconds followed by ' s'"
2 h 27 min
